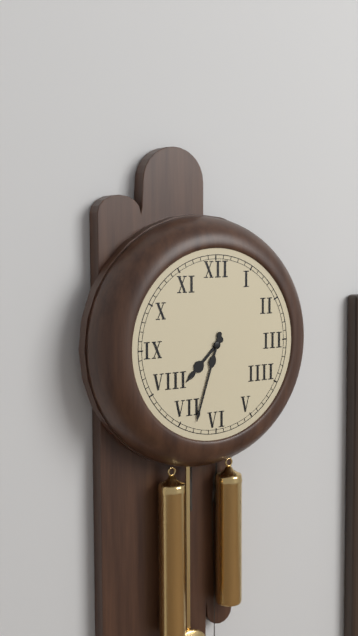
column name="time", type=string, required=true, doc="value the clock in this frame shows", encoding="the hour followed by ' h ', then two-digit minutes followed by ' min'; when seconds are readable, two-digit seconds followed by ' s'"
7 h 33 min
